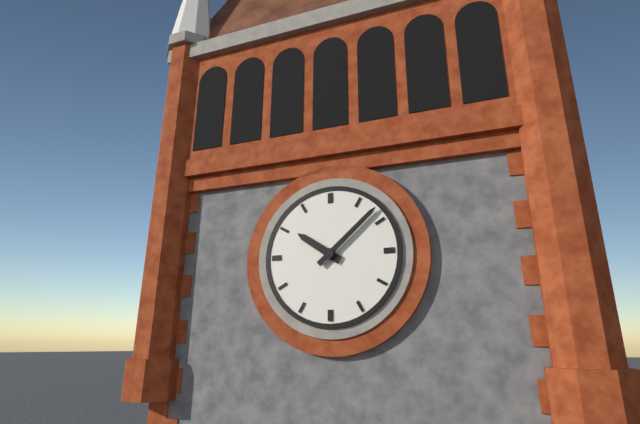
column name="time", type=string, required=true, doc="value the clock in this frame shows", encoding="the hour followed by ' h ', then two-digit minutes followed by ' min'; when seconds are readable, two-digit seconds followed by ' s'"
10 h 08 min
